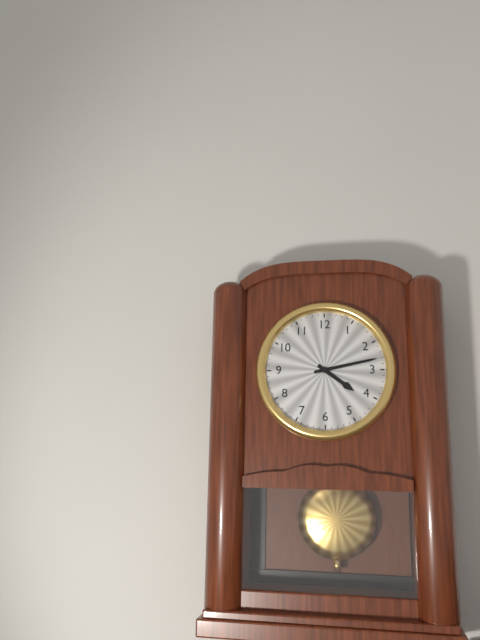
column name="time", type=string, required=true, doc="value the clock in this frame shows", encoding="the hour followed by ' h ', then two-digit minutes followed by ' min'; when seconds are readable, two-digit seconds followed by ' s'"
4 h 13 min
